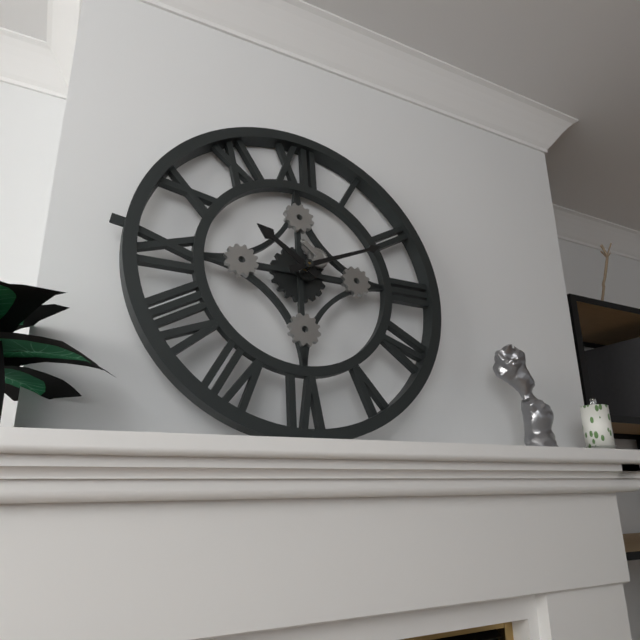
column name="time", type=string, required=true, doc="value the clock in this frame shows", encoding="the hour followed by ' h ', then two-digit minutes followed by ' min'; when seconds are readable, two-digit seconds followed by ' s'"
10 h 11 min
